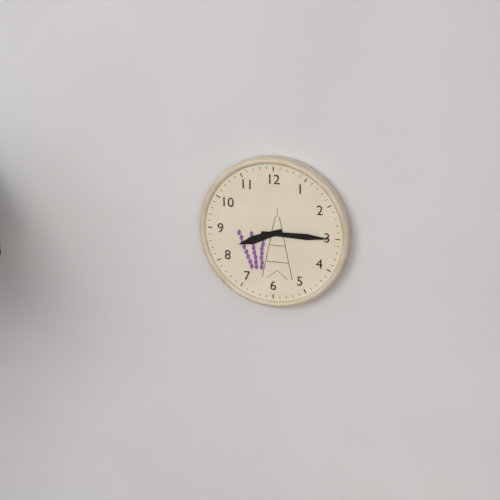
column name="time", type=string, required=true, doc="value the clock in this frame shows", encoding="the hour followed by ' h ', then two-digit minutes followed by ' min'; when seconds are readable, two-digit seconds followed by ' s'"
8 h 15 min
